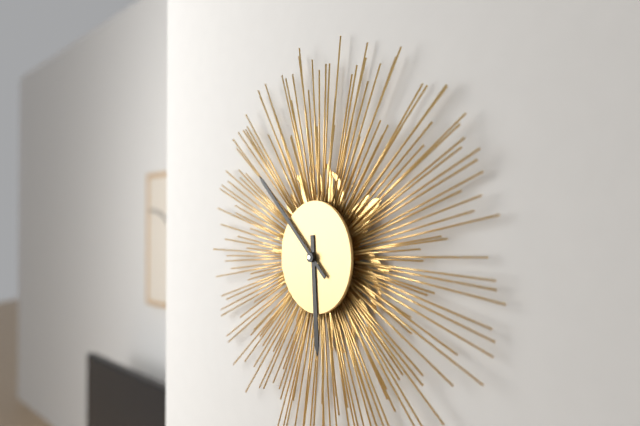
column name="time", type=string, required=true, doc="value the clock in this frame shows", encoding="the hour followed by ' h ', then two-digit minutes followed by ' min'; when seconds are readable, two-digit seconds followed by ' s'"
5 h 52 min
